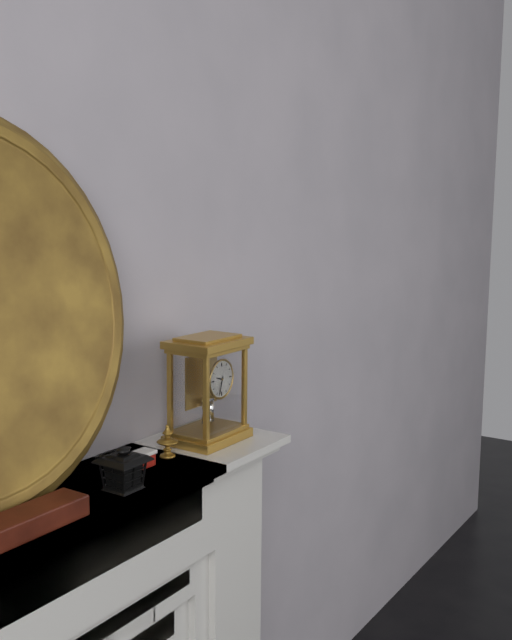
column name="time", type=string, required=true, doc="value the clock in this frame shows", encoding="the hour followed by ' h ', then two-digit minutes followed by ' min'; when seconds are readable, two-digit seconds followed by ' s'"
9 h 33 min
